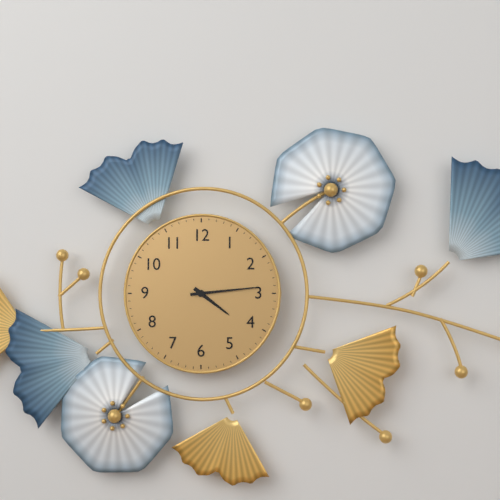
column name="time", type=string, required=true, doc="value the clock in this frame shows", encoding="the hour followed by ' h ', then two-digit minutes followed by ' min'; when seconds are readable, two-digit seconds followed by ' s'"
4 h 14 min
